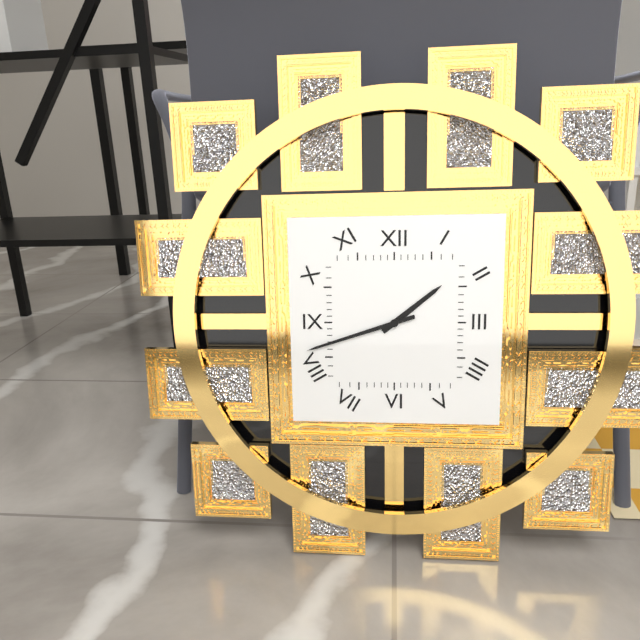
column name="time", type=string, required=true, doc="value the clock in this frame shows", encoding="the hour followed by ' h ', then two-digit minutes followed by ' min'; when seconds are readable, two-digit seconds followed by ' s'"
1 h 42 min
